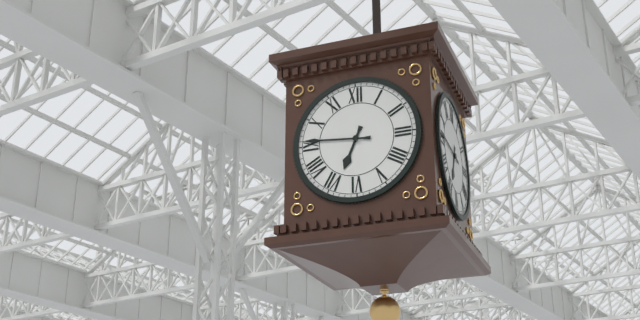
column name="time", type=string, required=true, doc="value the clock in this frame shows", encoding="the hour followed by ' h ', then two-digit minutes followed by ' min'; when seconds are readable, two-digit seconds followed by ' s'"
6 h 46 min
